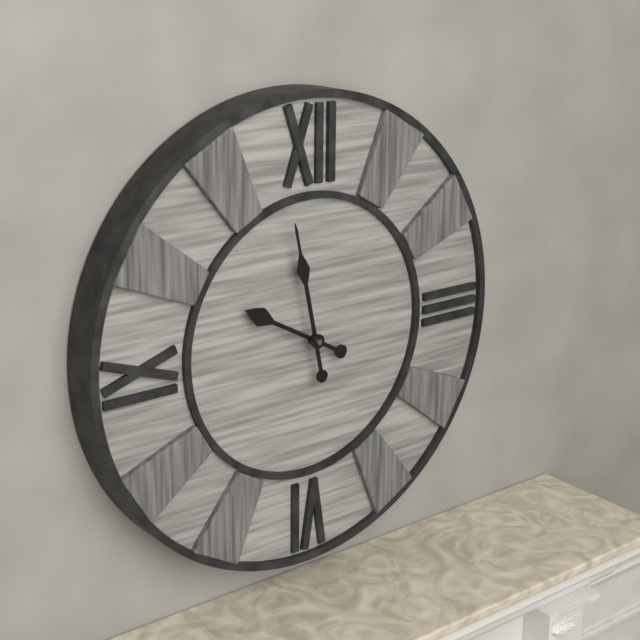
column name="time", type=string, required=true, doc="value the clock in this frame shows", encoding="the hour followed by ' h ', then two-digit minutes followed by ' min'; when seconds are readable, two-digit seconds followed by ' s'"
9 h 58 min
